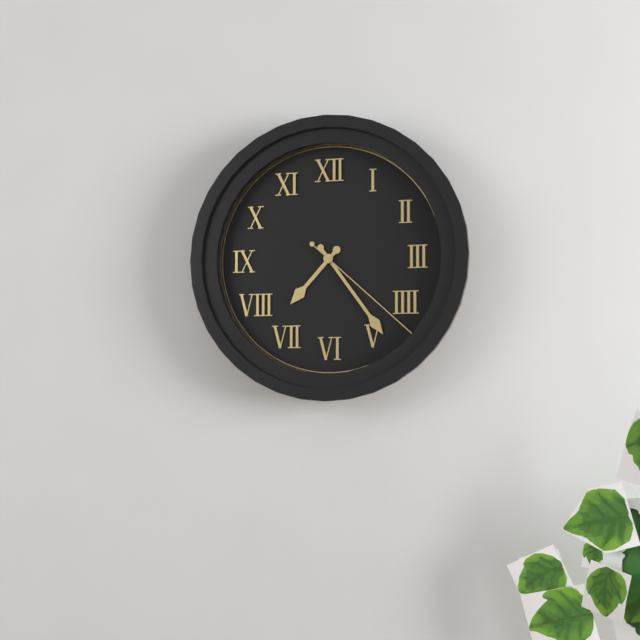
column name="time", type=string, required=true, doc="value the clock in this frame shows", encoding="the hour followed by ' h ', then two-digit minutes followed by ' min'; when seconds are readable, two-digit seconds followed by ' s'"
7 h 24 min 22 s
